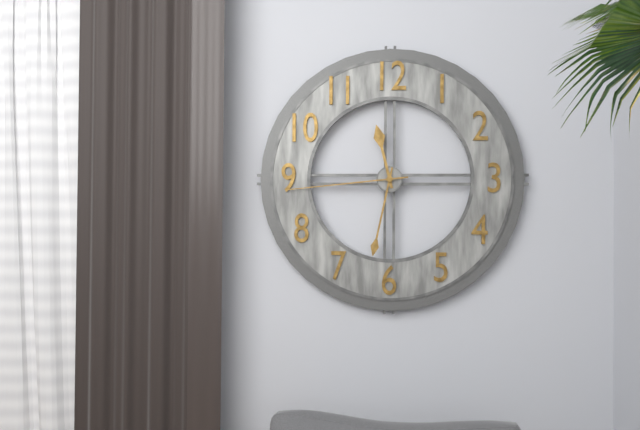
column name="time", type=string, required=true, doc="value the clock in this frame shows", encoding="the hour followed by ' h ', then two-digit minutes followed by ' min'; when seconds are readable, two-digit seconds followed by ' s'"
11 h 32 min 44 s
